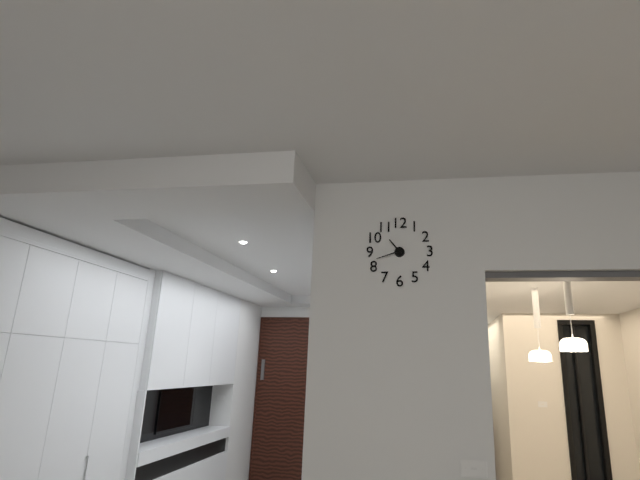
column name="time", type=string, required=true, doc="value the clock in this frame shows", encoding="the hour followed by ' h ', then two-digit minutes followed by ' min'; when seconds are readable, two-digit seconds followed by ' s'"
10 h 42 min
